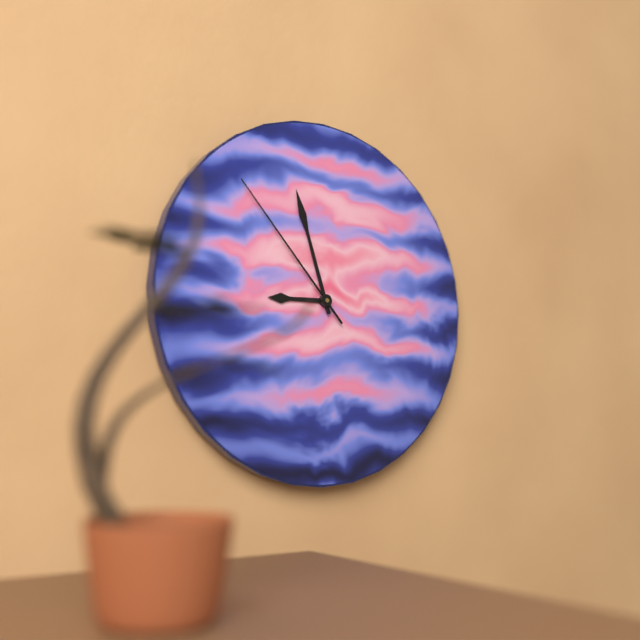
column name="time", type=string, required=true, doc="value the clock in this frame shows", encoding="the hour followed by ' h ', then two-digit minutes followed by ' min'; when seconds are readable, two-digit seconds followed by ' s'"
8 h 57 min 53 s
